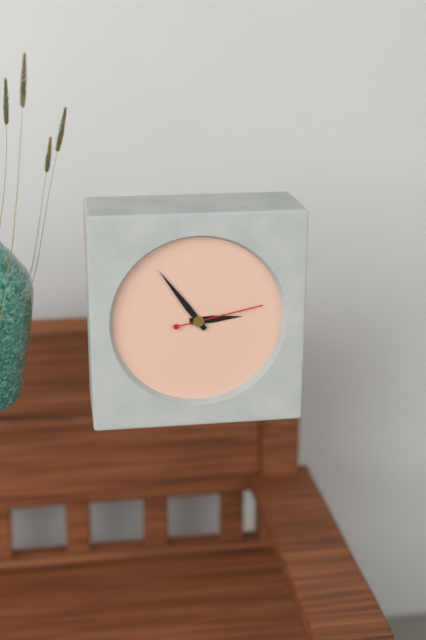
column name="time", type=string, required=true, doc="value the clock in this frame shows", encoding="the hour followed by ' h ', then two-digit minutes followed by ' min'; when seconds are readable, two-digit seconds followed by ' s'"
2 h 54 min 13 s
